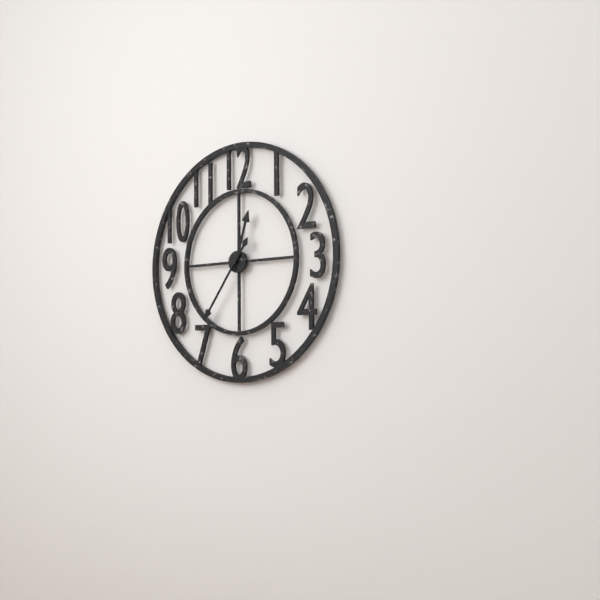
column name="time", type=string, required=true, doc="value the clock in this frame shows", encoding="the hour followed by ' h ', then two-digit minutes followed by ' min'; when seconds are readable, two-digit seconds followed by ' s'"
12 h 36 min
